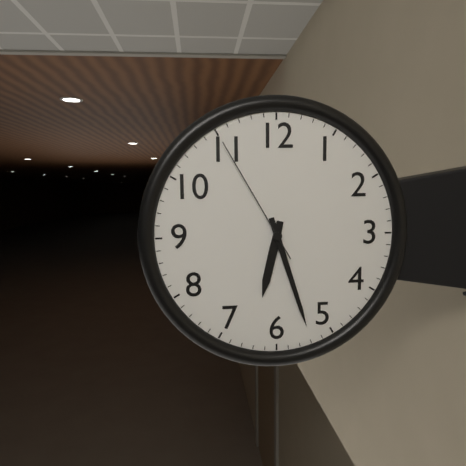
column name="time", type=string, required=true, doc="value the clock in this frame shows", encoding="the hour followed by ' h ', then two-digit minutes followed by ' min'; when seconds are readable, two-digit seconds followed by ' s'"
6 h 27 min 55 s
